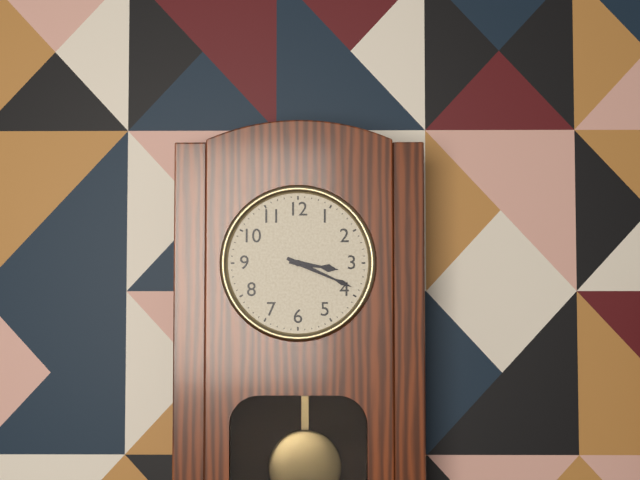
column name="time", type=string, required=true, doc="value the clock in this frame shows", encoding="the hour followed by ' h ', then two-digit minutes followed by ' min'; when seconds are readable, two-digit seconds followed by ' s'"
3 h 19 min
